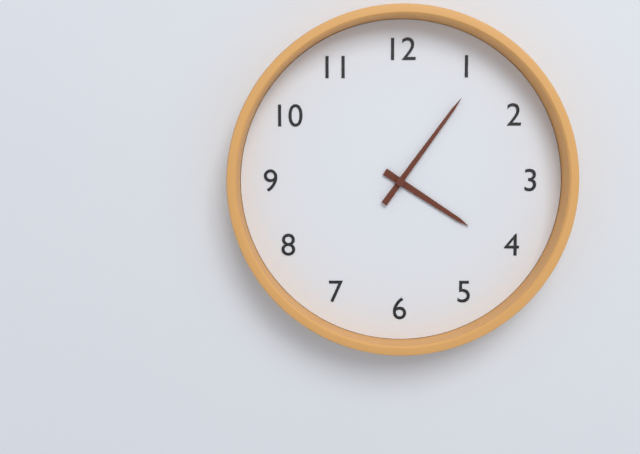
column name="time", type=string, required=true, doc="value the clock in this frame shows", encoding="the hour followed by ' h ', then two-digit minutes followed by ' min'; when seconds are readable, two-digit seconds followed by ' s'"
4 h 06 min
